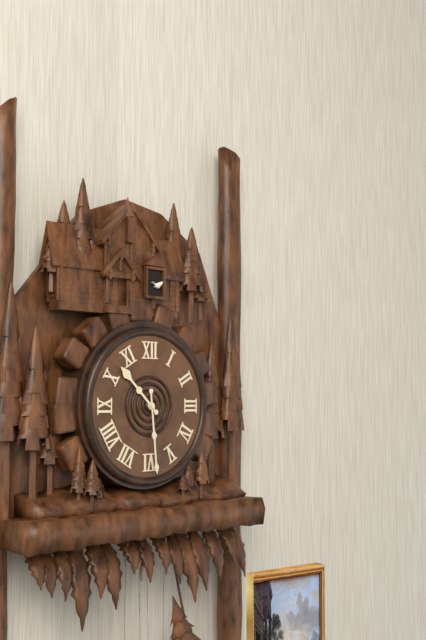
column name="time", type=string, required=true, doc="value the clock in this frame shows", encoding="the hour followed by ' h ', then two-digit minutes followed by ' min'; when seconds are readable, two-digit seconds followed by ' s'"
10 h 29 min
